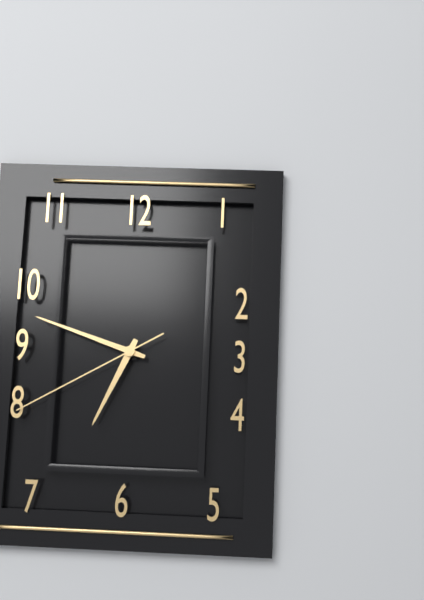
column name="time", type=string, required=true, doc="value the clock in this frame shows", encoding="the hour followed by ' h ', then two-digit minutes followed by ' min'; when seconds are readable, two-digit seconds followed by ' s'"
6 h 48 min 40 s
